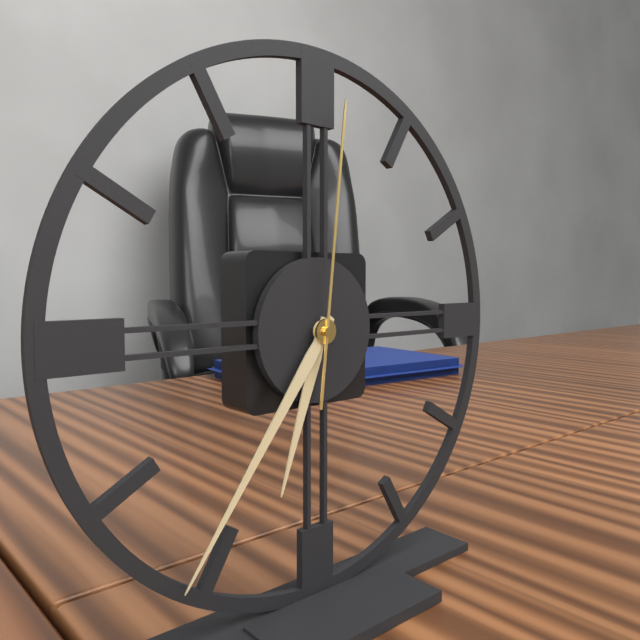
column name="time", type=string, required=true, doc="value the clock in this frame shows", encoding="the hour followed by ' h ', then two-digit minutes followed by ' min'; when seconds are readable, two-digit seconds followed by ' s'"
6 h 36 min 01 s
